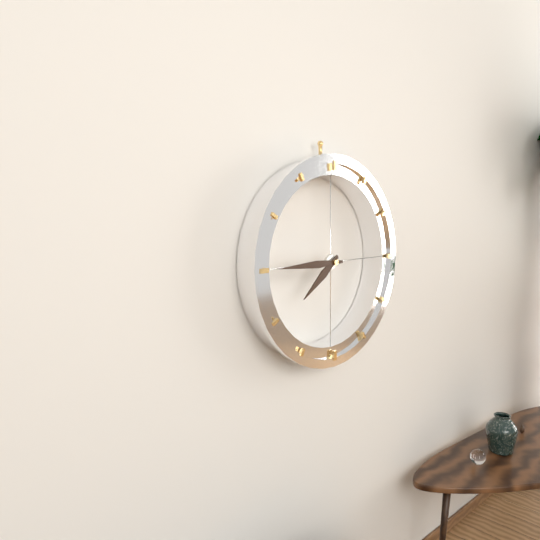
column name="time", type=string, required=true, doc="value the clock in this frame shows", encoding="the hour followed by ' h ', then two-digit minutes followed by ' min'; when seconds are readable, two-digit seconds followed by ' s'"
7 h 45 min
